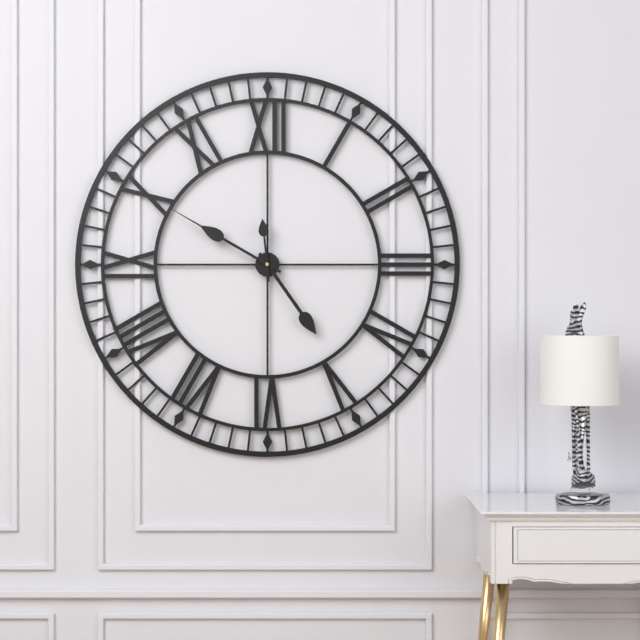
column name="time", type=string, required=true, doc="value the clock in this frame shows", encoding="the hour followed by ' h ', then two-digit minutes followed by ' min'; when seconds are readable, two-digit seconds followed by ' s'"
4 h 50 min 59 s
